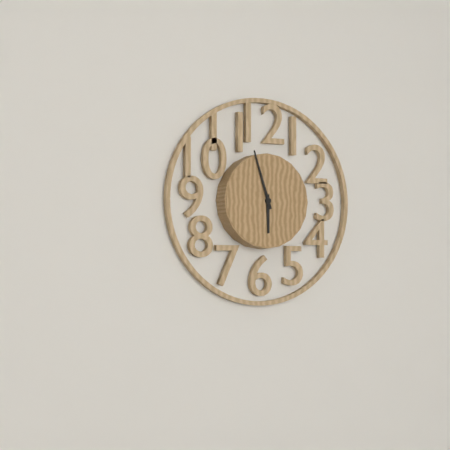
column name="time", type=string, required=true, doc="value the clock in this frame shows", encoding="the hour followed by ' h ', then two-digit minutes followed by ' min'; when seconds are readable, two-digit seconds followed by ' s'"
5 h 57 min
